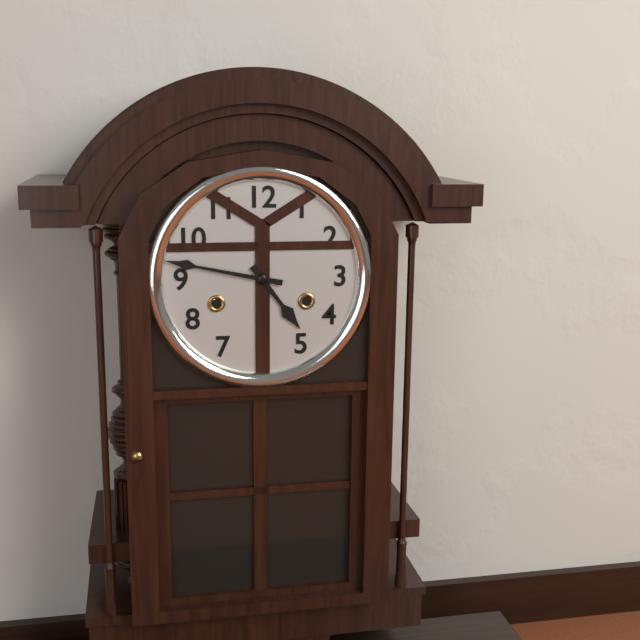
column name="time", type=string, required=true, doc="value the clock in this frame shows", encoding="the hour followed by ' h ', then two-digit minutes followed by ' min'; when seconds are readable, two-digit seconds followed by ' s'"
4 h 47 min
